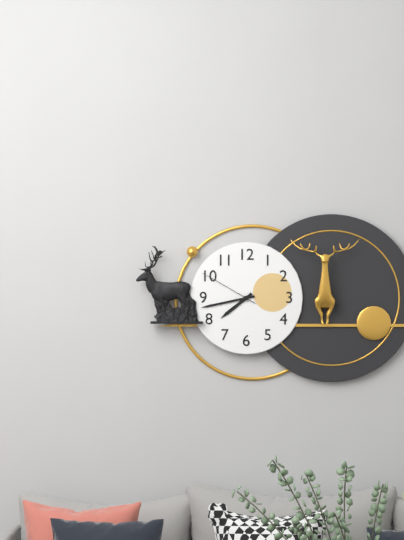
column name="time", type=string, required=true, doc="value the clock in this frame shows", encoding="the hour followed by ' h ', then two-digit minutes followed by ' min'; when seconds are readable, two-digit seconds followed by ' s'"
7 h 43 min 50 s
